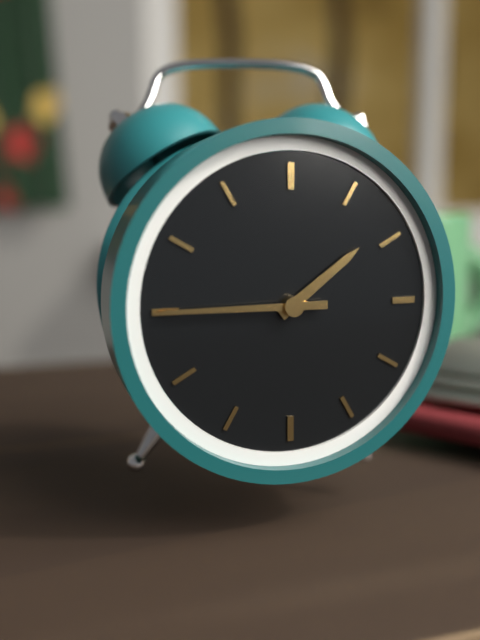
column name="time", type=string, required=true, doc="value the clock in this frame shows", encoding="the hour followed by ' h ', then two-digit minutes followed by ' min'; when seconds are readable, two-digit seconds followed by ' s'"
1 h 45 min
